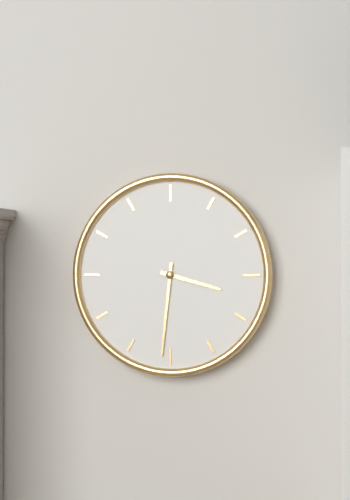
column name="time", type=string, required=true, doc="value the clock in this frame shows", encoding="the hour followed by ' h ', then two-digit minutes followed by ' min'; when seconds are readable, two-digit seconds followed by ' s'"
3 h 31 min
